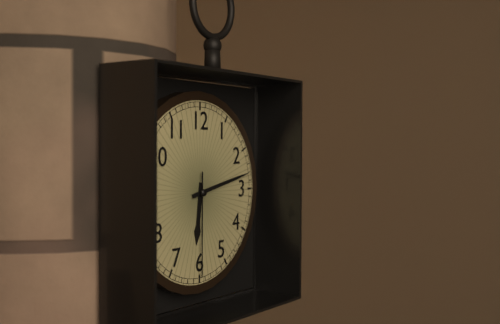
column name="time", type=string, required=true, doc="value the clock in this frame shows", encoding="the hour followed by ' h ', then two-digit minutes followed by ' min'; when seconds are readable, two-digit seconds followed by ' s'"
6 h 13 min 30 s
